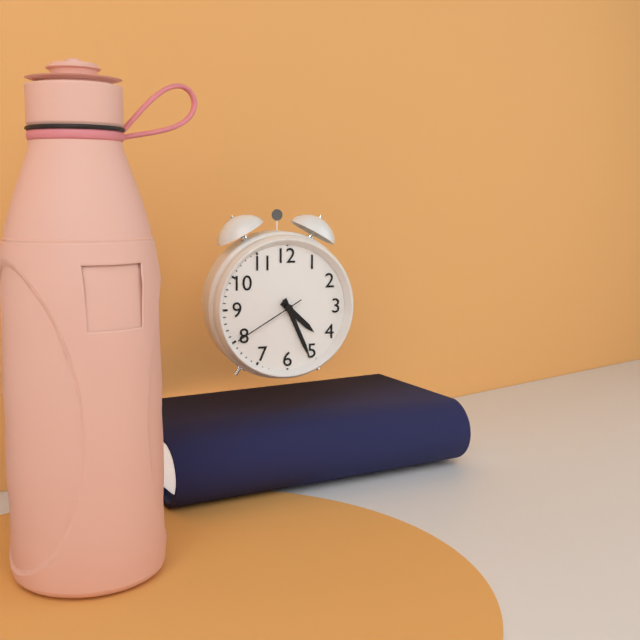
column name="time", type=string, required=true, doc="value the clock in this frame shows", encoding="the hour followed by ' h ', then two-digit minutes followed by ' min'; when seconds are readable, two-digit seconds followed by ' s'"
4 h 26 min 40 s
